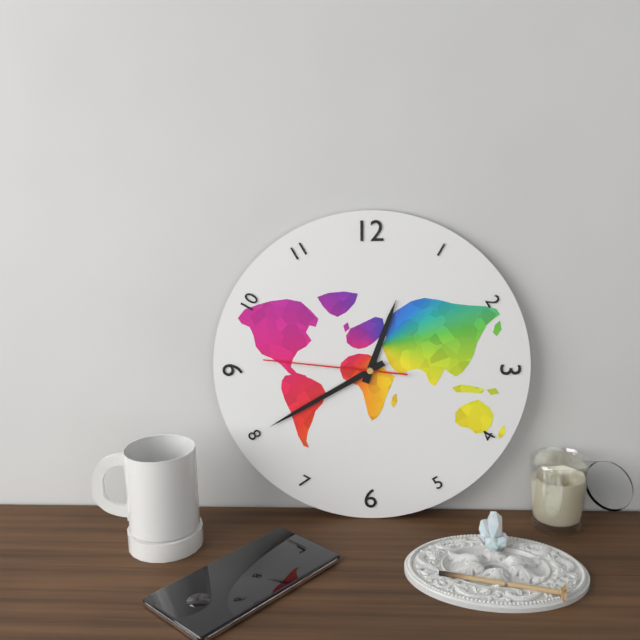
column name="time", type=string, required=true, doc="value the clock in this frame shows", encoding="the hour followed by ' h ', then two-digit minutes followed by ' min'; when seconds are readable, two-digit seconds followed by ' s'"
12 h 40 min 46 s
